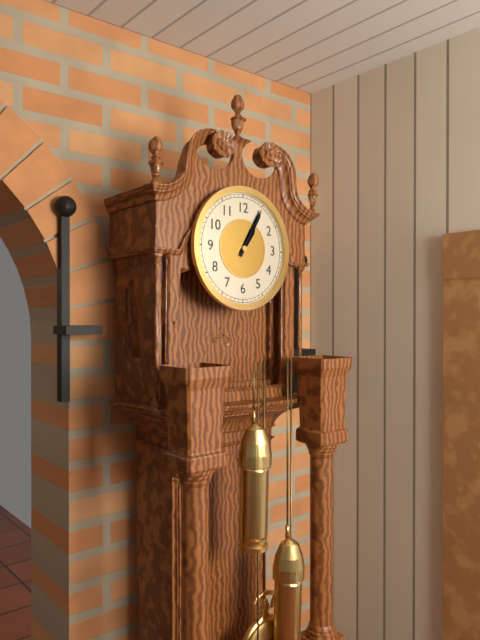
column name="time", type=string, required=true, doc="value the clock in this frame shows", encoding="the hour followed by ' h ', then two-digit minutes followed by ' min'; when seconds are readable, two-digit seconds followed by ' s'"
1 h 05 min
